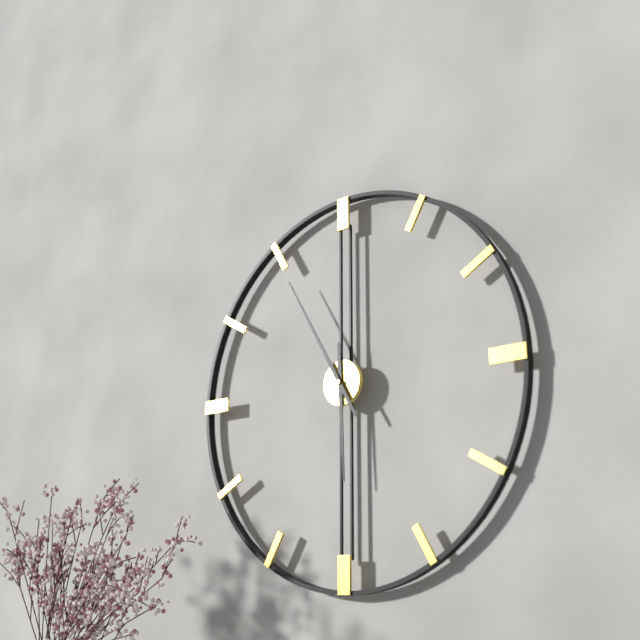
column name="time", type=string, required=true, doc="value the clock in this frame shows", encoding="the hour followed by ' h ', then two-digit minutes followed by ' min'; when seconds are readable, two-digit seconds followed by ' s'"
5 h 55 min
